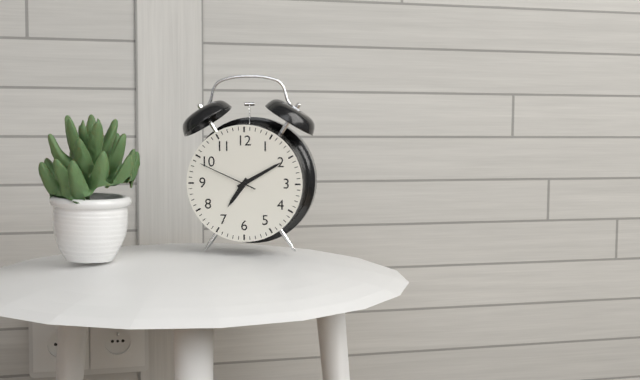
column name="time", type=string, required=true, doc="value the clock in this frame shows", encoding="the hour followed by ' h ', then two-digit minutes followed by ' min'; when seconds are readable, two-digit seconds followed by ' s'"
7 h 10 min 49 s
